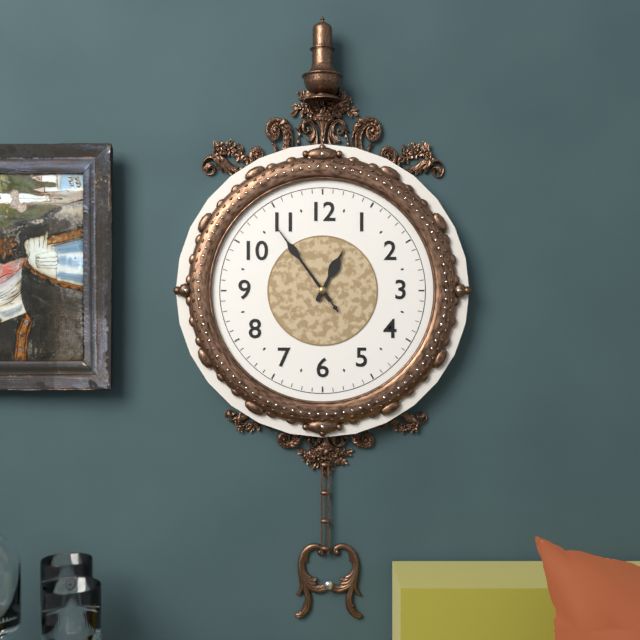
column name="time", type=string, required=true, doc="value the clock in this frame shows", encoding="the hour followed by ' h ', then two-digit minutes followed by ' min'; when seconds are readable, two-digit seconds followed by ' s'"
12 h 54 min 54 s
